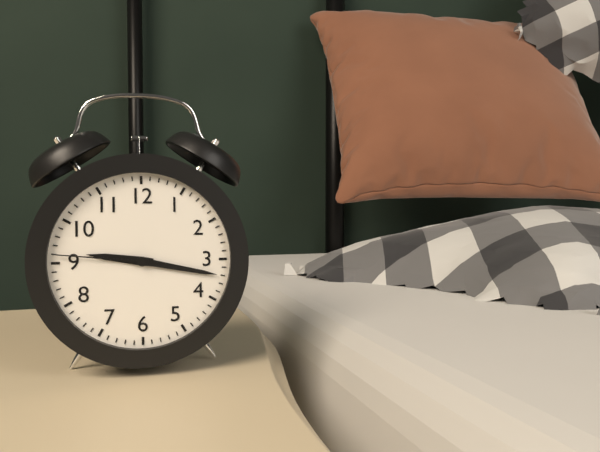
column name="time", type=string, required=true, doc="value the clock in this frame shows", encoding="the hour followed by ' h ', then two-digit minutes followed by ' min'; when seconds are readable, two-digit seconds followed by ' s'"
9 h 17 min 46 s
